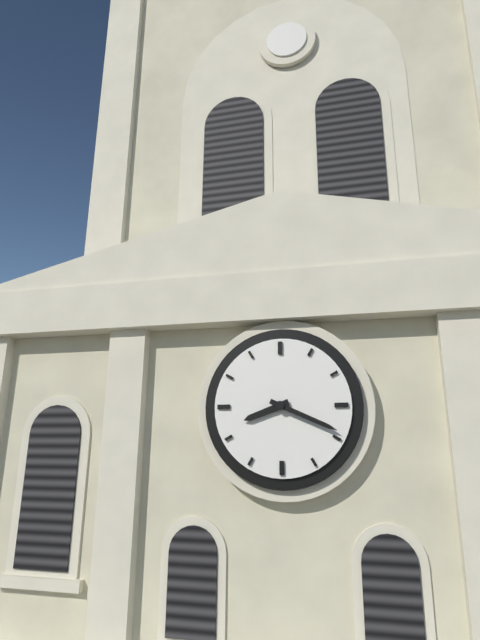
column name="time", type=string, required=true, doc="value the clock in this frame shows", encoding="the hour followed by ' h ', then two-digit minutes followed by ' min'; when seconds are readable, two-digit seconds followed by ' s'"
8 h 19 min
